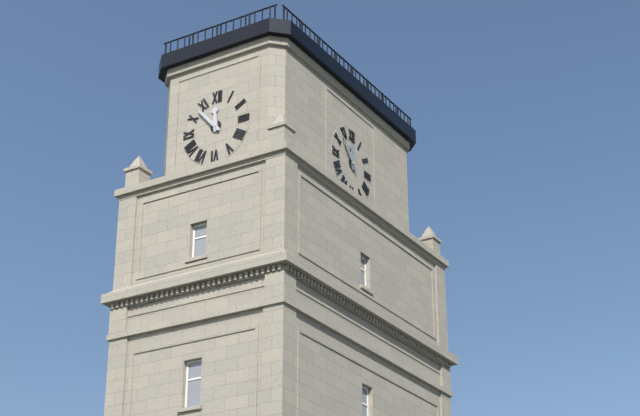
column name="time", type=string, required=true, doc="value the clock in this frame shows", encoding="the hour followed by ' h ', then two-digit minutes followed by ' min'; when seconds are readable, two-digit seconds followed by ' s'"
11 h 53 min
